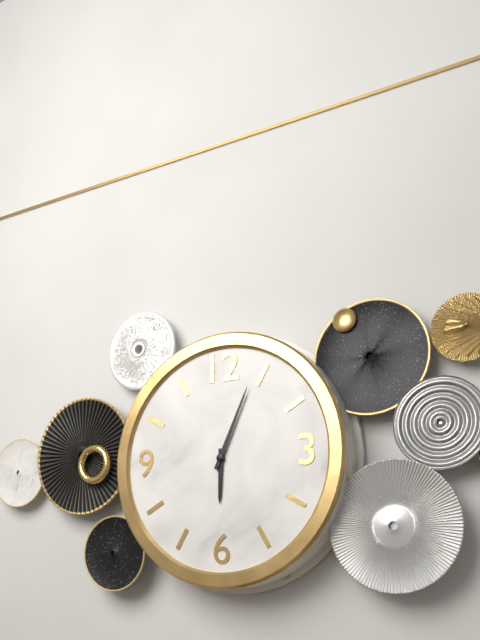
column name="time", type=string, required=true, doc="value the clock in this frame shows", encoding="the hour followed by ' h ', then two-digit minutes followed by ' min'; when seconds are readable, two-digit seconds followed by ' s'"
6 h 04 min
